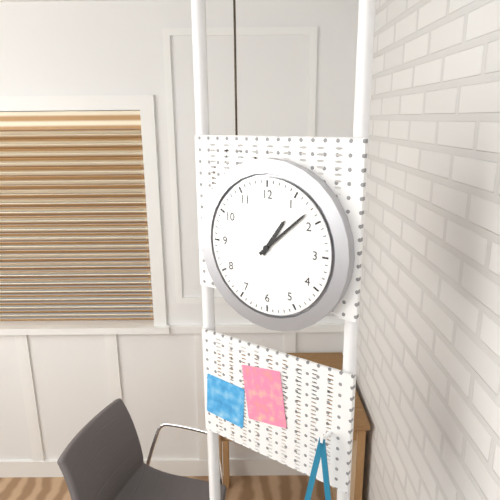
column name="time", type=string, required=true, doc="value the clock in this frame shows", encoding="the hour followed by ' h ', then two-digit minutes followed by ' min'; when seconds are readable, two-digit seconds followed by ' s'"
1 h 08 min
